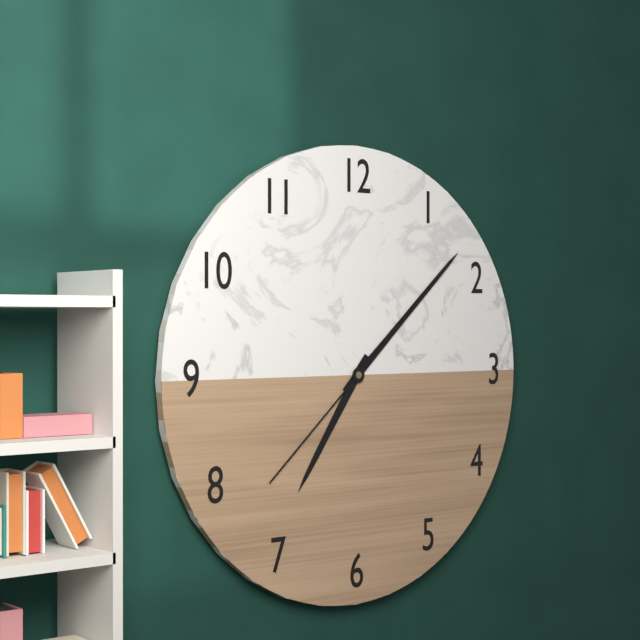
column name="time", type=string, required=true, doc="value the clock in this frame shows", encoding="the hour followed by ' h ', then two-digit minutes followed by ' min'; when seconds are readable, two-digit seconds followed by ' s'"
7 h 08 min
